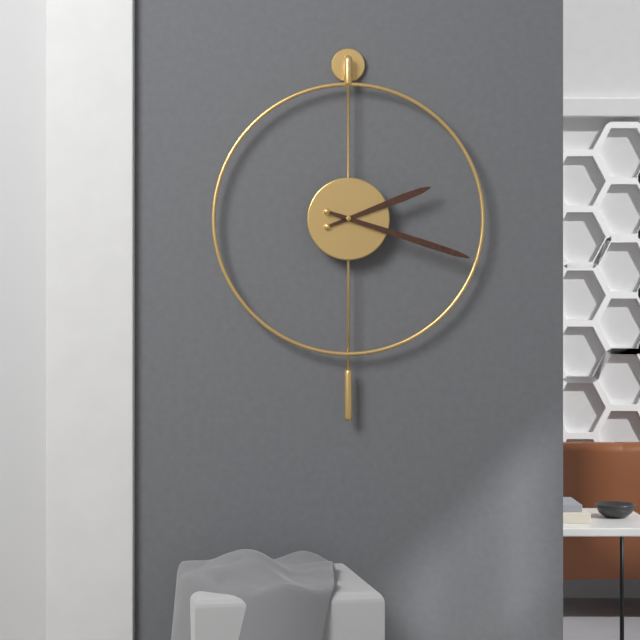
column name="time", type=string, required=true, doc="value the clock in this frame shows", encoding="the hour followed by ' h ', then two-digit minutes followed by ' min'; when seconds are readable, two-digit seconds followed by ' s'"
2 h 18 min
